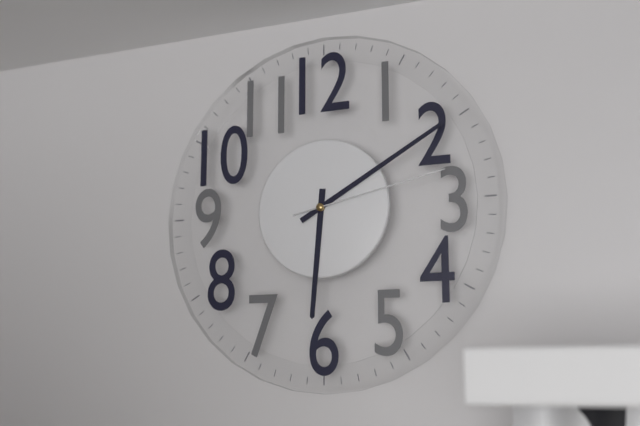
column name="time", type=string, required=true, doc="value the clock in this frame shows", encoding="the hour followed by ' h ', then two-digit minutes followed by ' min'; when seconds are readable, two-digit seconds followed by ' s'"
6 h 10 min 13 s
